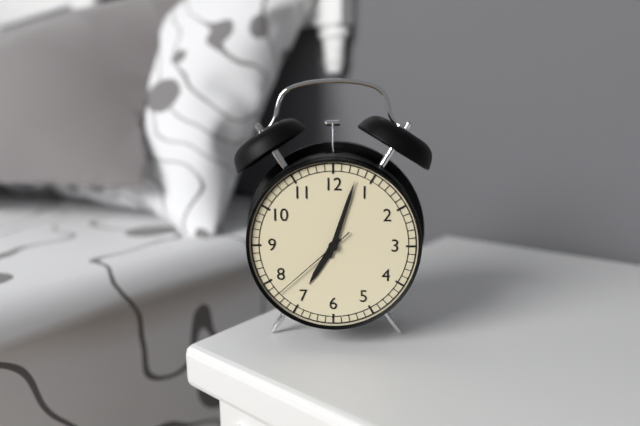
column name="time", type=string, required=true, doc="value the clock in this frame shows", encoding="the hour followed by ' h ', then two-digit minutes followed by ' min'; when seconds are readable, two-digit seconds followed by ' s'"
7 h 03 min 38 s
